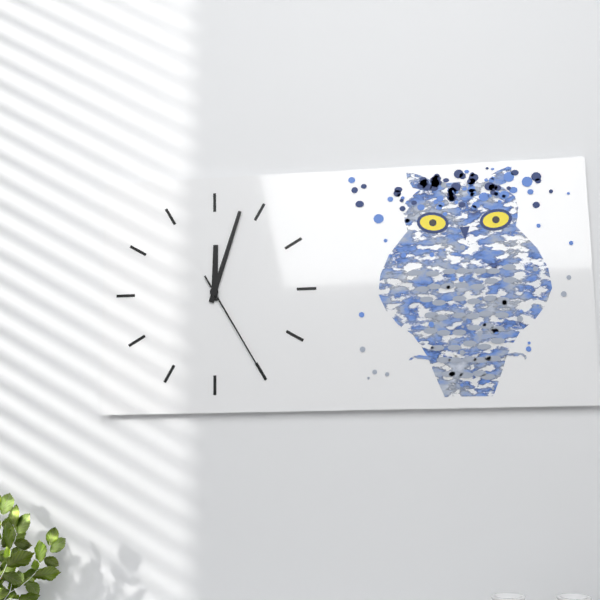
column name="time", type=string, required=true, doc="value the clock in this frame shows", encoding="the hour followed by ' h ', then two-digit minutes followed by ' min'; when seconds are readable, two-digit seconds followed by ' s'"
12 h 03 min 25 s
